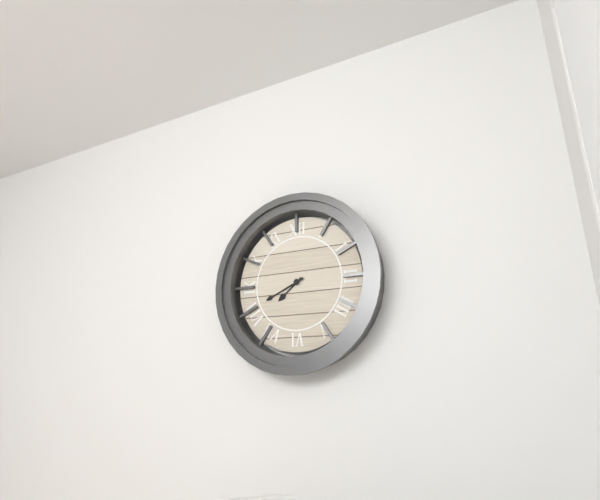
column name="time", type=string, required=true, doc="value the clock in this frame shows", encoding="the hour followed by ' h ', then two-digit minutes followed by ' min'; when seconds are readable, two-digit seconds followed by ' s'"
7 h 41 min
